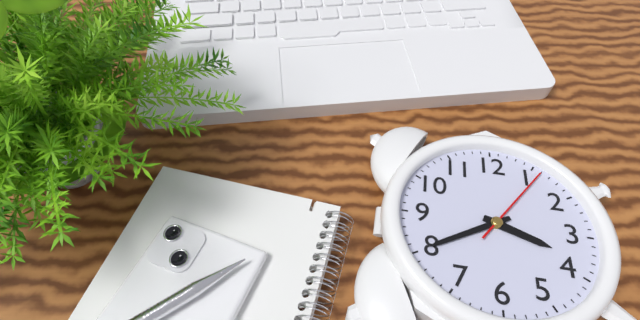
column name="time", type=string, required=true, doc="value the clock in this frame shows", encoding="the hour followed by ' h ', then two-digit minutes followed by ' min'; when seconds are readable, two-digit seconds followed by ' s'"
3 h 40 min 06 s
